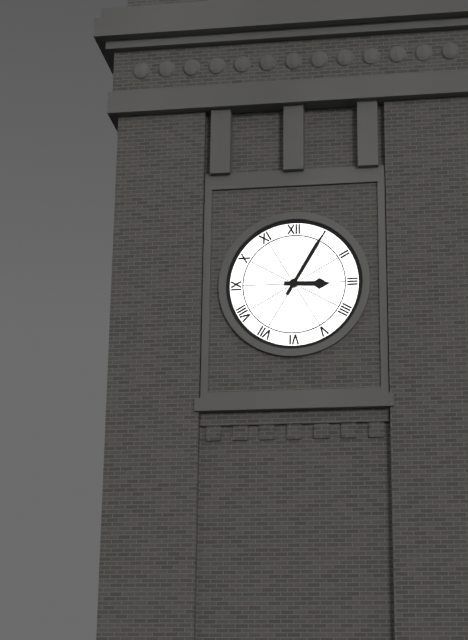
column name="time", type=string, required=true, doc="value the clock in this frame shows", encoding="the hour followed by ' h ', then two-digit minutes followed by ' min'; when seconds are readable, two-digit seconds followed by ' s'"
3 h 05 min
